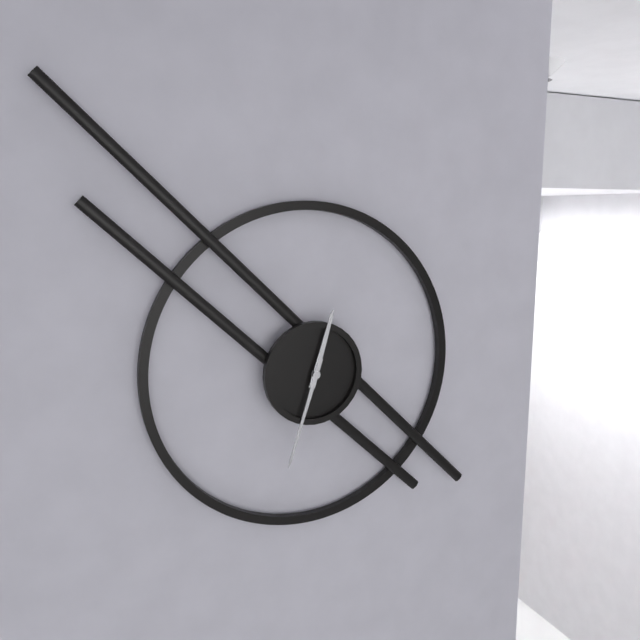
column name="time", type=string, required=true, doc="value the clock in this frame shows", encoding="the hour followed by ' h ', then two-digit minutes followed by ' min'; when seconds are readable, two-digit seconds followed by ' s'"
12 h 33 min
